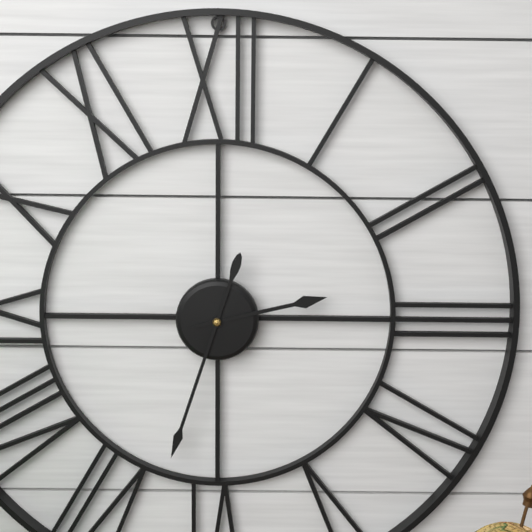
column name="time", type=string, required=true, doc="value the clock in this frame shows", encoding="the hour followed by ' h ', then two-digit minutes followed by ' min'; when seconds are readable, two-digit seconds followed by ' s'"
2 h 33 min
